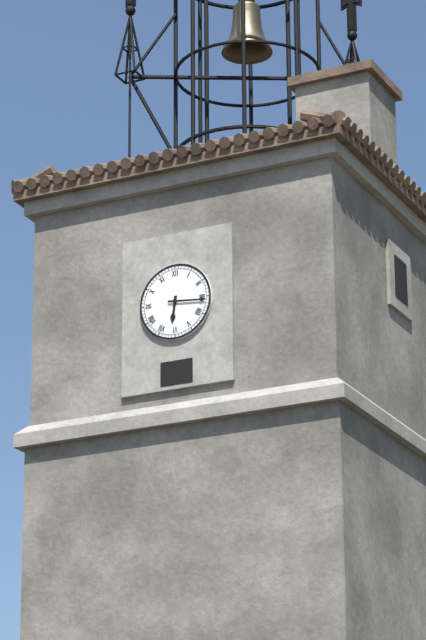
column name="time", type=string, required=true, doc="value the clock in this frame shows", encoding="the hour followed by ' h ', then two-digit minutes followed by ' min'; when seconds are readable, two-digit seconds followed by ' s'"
6 h 16 min
